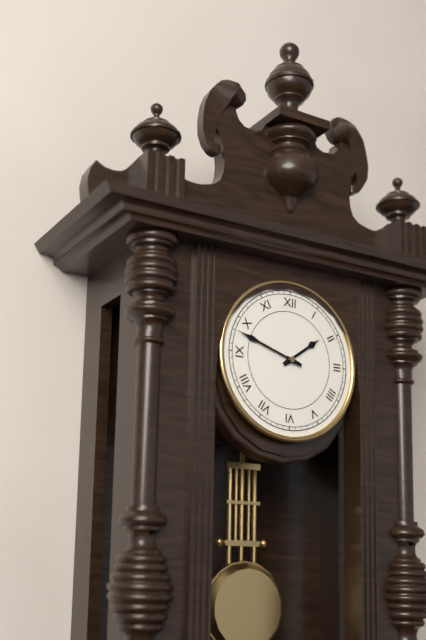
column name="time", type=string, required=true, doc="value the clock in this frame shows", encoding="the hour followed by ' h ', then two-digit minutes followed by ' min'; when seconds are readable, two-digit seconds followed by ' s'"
1 h 48 min
